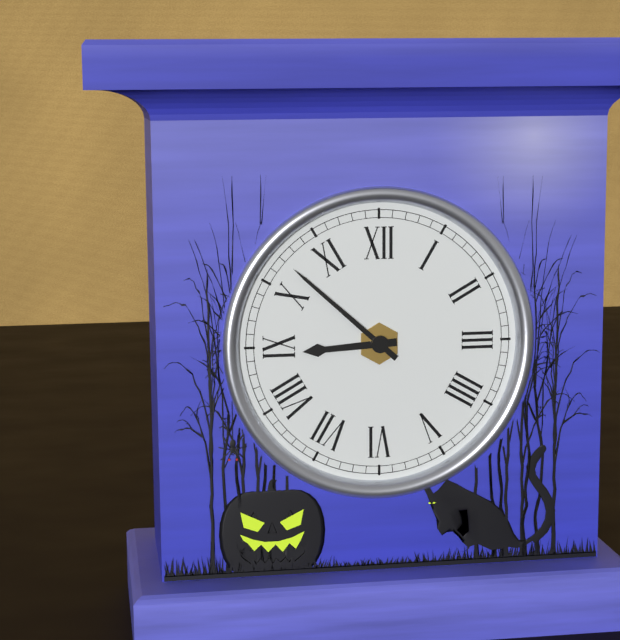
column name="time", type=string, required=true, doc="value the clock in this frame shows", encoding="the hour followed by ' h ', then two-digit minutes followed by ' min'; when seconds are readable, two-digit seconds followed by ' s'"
8 h 52 min
